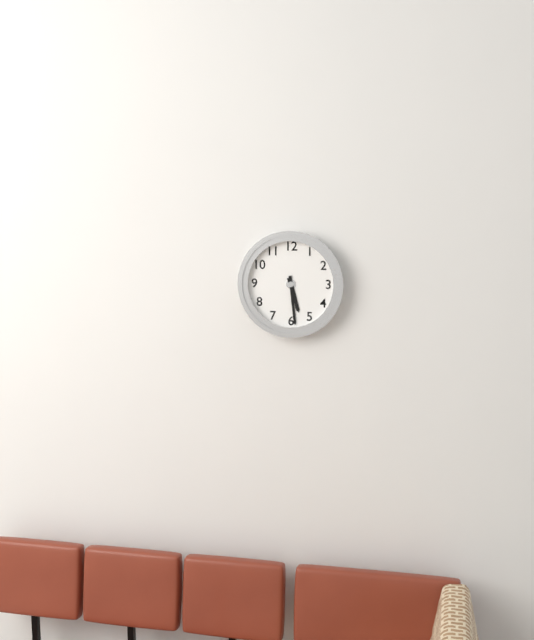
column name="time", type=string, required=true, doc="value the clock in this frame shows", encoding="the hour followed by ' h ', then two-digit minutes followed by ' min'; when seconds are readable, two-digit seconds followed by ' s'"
5 h 29 min
